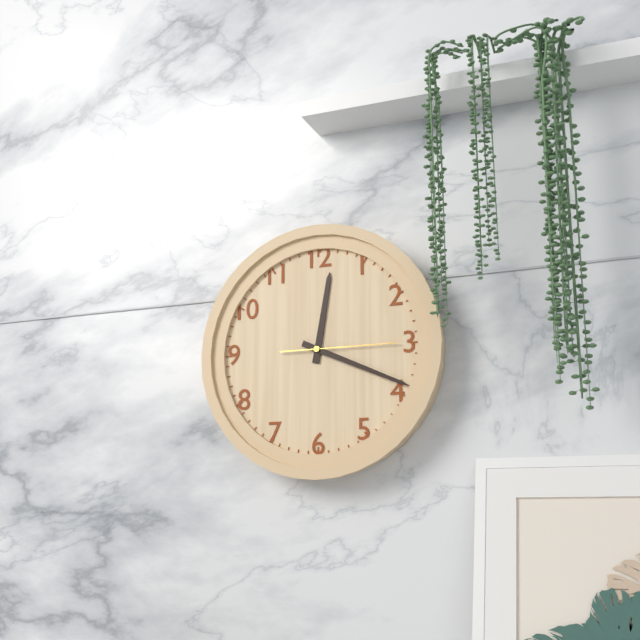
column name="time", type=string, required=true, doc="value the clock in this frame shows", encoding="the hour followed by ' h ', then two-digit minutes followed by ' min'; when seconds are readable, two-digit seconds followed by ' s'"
12 h 19 min 15 s
